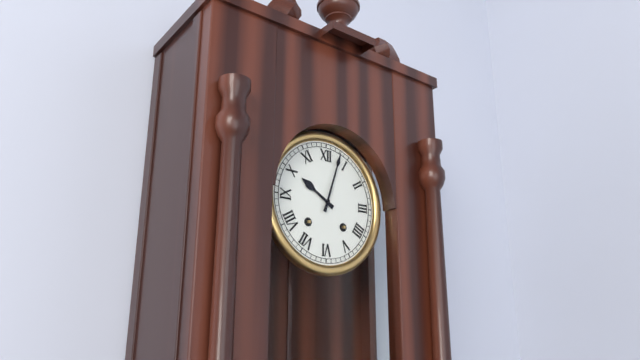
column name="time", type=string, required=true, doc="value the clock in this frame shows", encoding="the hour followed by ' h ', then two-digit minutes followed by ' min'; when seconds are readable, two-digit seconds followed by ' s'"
10 h 03 min
